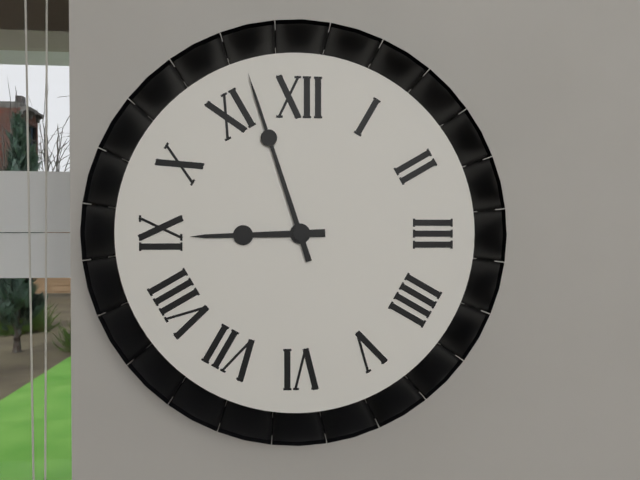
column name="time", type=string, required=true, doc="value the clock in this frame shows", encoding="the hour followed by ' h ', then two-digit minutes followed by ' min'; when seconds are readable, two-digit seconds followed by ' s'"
8 h 57 min
